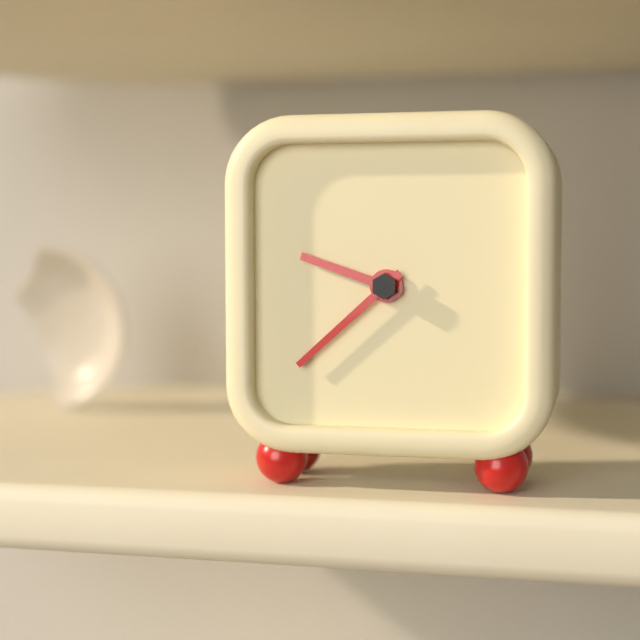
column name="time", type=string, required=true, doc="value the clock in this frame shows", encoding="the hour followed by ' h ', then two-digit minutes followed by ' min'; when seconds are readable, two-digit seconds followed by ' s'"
9 h 38 min
